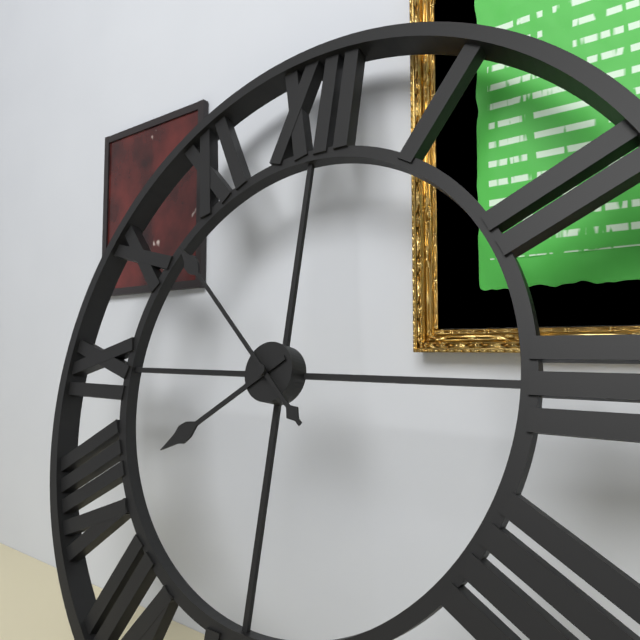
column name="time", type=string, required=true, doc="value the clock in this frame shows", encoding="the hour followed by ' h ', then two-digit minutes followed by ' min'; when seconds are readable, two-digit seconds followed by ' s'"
7 h 52 min
